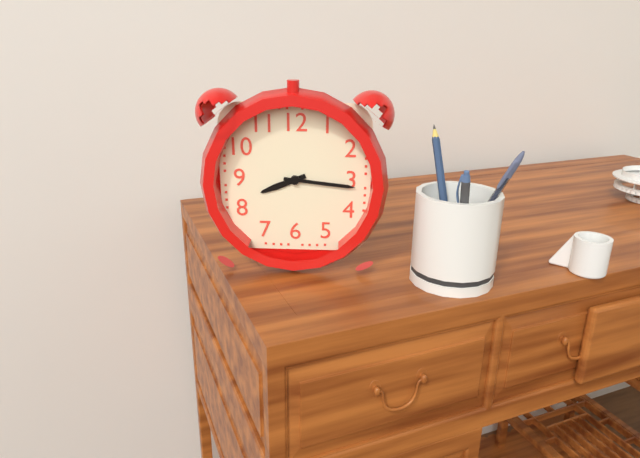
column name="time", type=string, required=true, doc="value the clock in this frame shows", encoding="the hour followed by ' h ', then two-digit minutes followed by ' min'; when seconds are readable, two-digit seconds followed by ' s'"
8 h 16 min
